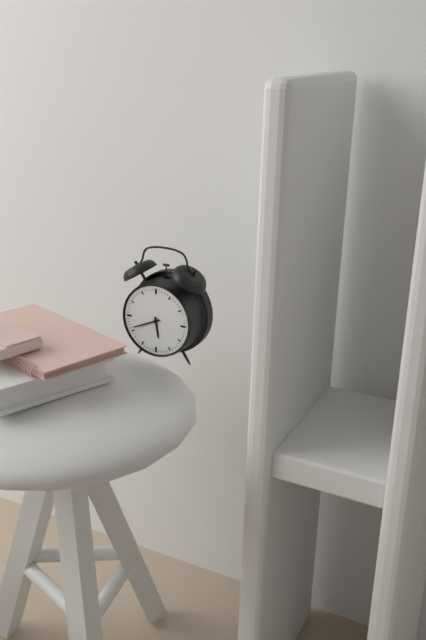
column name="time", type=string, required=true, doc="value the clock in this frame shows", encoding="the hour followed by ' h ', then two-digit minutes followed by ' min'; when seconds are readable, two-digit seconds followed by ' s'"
5 h 41 min
